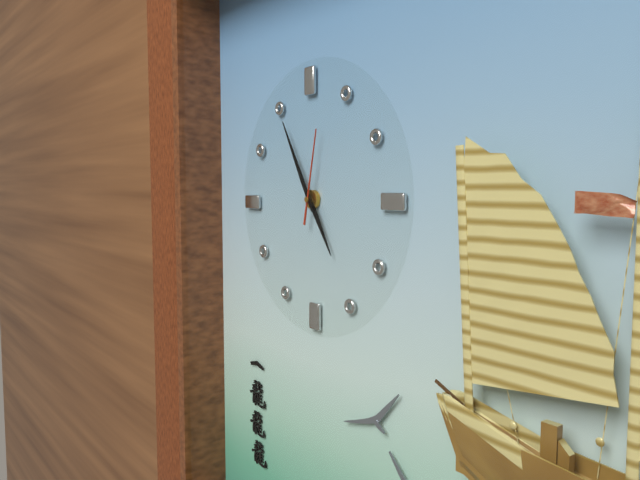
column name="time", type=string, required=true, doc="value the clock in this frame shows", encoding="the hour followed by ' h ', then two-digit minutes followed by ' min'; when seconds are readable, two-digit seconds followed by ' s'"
4 h 55 min 02 s
